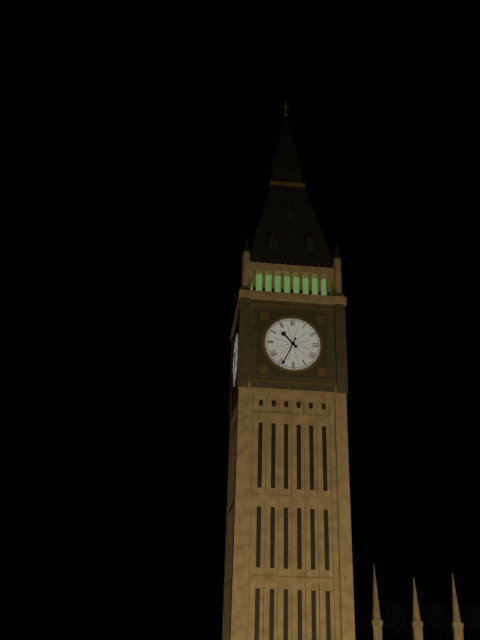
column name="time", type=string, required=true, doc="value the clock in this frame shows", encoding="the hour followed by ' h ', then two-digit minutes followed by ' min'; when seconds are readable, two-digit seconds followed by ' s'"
10 h 34 min
